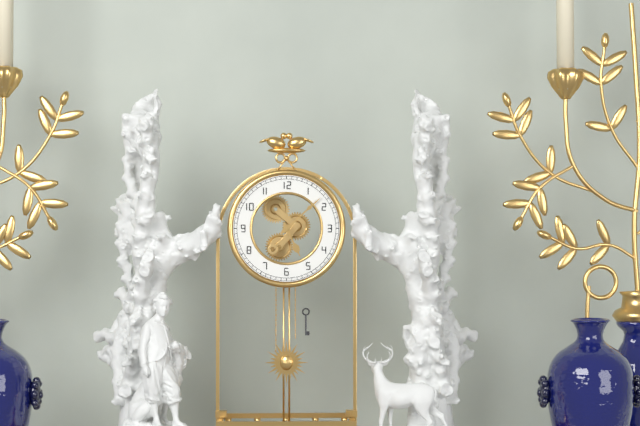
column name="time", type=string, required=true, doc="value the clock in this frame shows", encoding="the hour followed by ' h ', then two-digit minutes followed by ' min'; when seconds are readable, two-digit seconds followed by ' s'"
5 h 08 min
